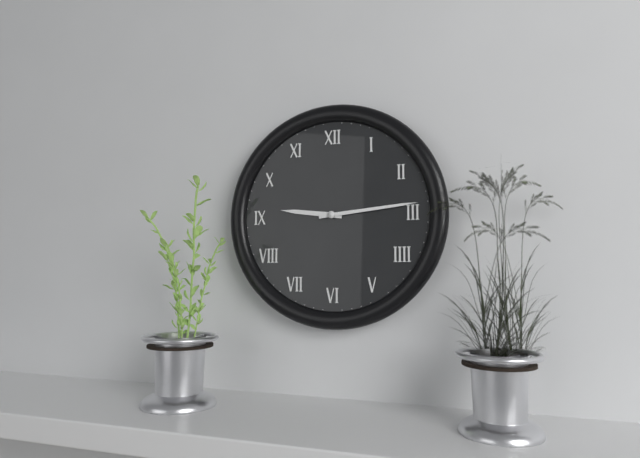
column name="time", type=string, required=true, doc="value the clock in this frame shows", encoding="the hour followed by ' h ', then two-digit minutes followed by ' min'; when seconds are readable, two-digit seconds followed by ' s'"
9 h 14 min
